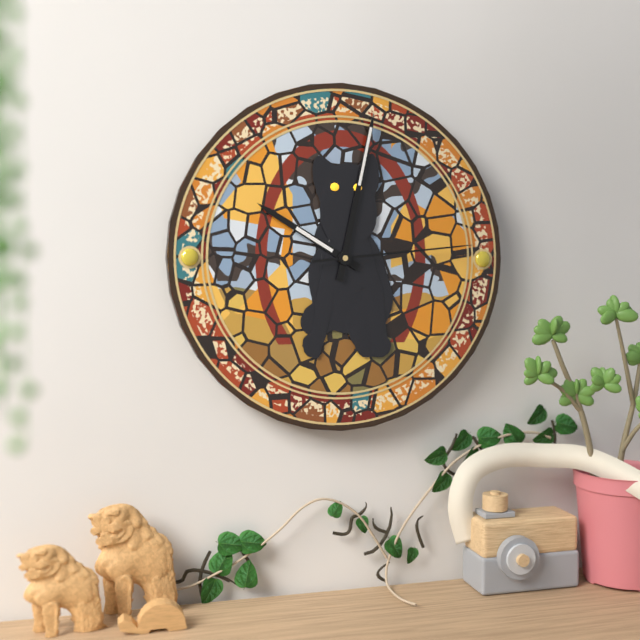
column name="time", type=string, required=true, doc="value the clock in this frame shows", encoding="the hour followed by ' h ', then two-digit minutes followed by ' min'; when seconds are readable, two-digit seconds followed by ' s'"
10 h 02 min 14 s
